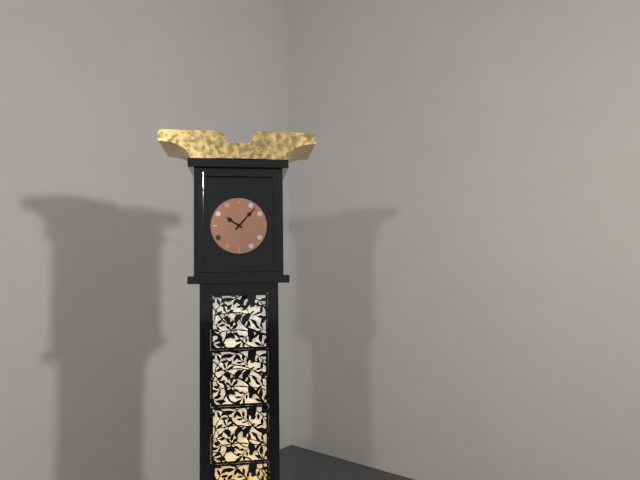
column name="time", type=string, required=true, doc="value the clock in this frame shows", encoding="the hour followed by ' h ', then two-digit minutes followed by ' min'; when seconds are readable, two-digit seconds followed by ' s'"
10 h 07 min
